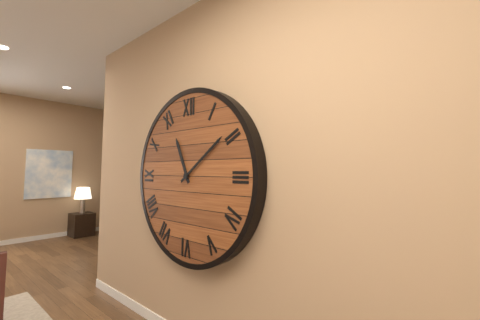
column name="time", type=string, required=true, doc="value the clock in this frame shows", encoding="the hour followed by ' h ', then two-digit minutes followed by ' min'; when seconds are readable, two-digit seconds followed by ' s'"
11 h 09 min
